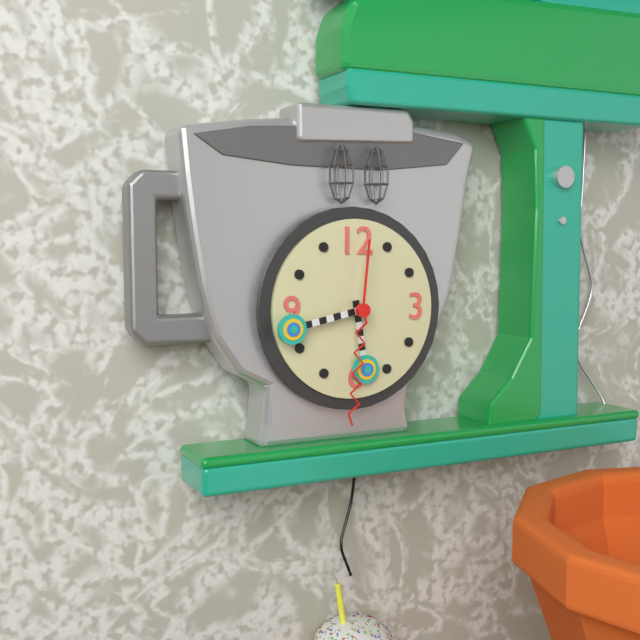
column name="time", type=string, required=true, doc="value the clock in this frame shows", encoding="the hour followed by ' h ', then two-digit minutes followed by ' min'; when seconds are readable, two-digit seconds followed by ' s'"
5 h 43 min 31 s
